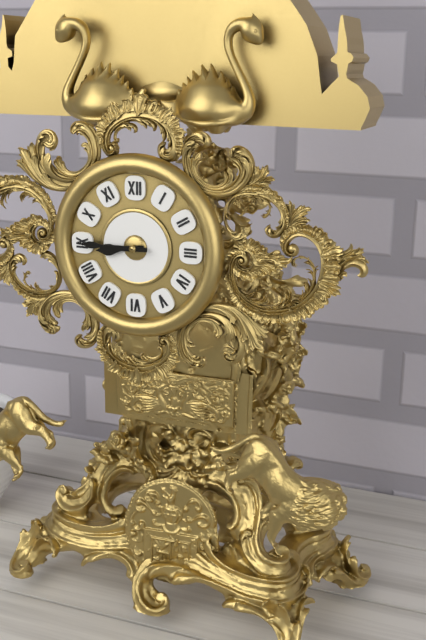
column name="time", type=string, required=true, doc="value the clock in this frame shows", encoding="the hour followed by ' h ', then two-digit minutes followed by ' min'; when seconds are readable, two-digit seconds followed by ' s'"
8 h 45 min
